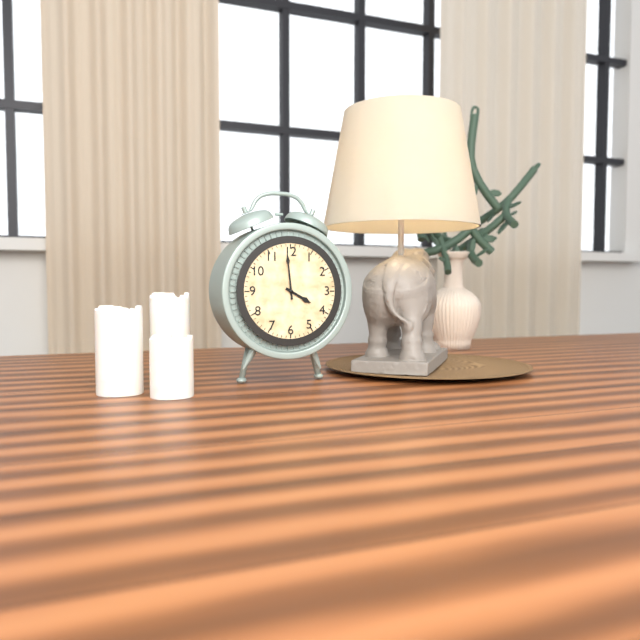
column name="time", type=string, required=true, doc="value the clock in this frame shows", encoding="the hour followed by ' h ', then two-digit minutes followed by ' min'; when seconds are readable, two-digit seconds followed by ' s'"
3 h 59 min
